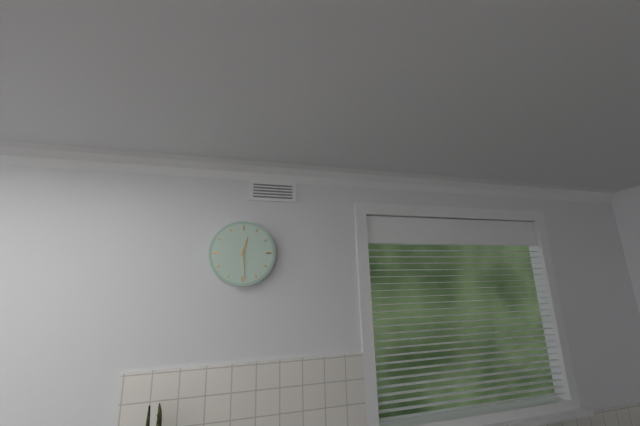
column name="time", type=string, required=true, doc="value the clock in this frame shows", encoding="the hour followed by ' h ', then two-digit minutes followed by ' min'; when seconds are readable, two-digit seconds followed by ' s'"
12 h 29 min
